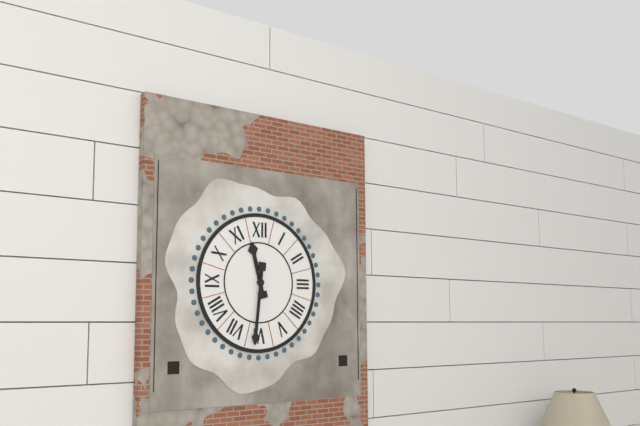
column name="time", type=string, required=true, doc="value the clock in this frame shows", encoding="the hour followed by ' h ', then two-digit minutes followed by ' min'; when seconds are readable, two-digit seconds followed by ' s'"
11 h 31 min
